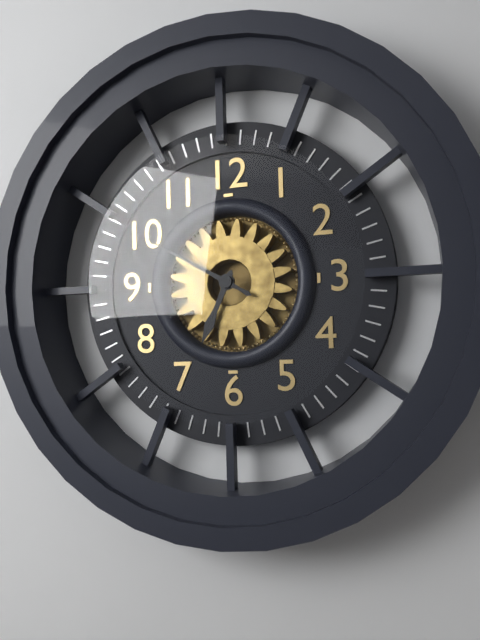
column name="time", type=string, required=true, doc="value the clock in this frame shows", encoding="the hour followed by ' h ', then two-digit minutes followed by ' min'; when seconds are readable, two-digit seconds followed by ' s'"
6 h 50 min
